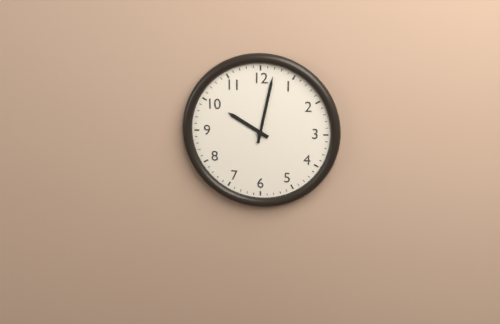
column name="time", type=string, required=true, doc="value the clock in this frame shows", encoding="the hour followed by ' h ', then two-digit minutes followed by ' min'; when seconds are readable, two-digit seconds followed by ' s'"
10 h 02 min
